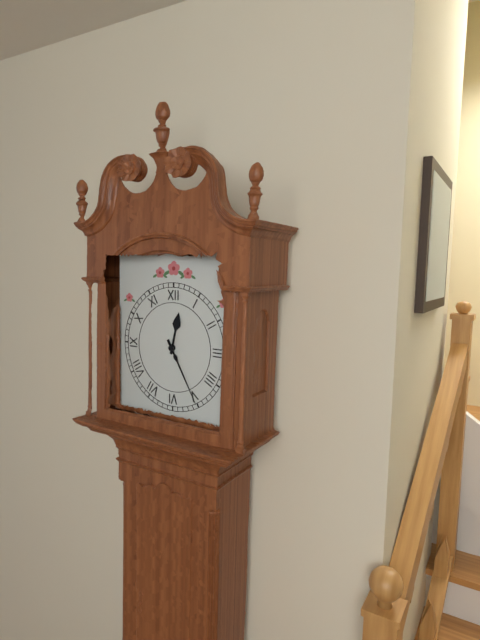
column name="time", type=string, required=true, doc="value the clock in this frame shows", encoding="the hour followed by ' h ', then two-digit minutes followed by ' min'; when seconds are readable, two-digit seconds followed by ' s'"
12 h 25 min
